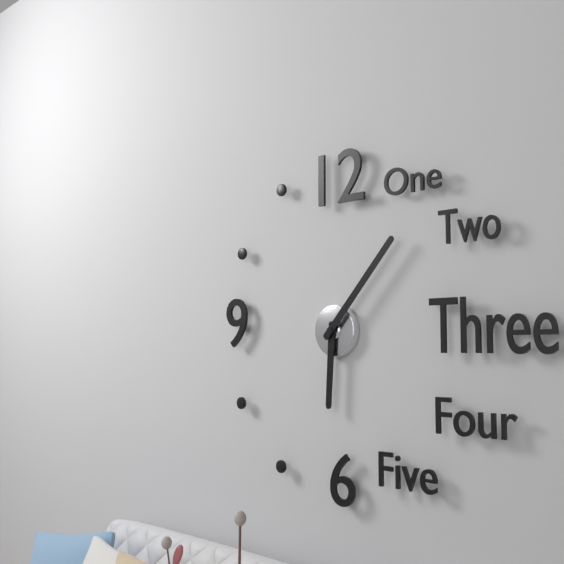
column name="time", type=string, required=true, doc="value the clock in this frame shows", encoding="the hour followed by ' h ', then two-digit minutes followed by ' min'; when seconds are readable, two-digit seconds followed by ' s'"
6 h 07 min
